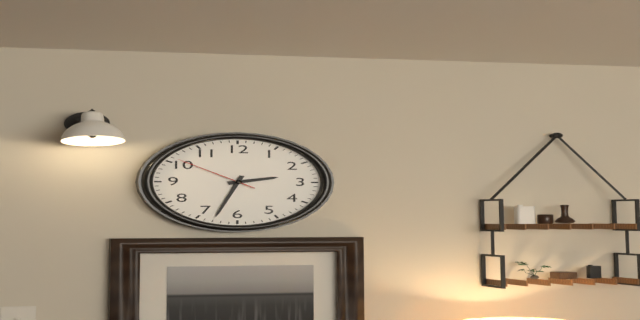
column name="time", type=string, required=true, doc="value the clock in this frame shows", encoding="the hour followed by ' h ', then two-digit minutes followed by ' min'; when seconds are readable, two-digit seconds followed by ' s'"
2 h 33 min 51 s
